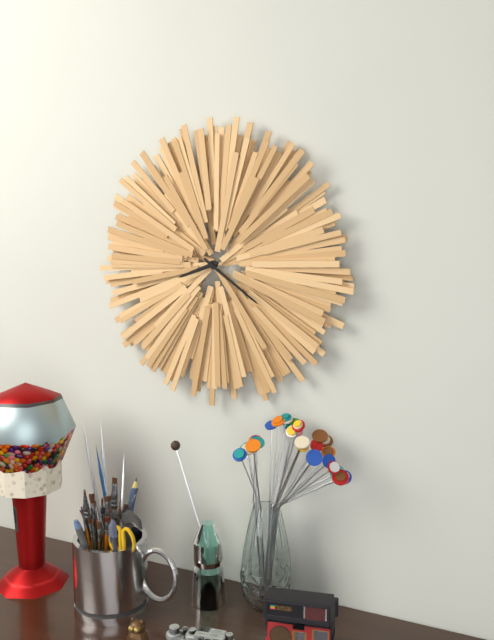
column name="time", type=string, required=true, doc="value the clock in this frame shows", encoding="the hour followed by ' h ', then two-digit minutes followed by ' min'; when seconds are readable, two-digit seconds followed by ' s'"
8 h 21 min
